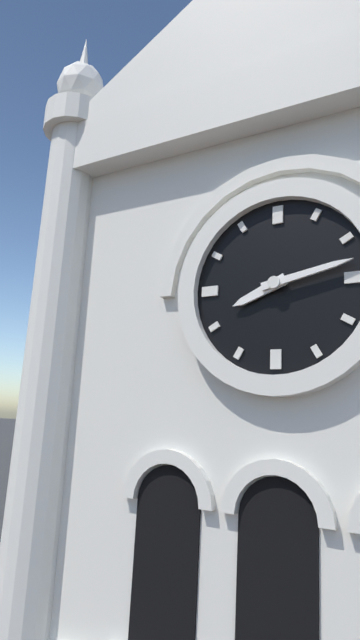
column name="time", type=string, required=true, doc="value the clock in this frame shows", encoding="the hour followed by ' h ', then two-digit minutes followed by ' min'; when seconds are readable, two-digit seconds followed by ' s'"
8 h 13 min
